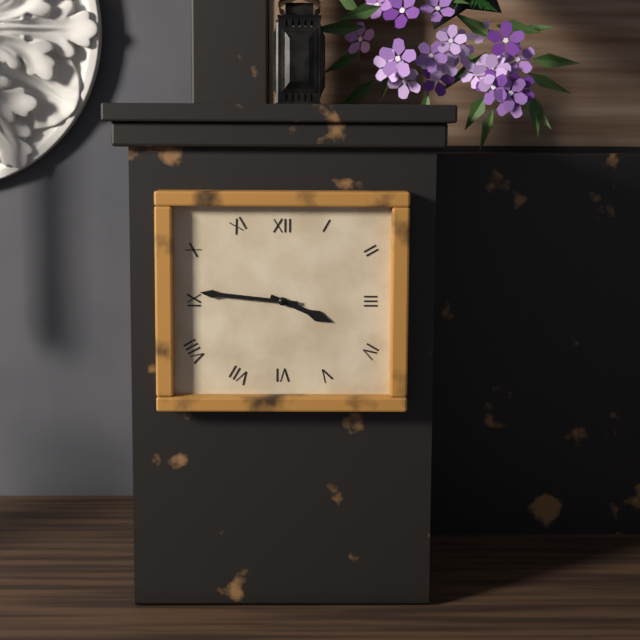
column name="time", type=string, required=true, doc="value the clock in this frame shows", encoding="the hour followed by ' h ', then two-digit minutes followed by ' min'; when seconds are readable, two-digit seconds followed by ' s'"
3 h 46 min
